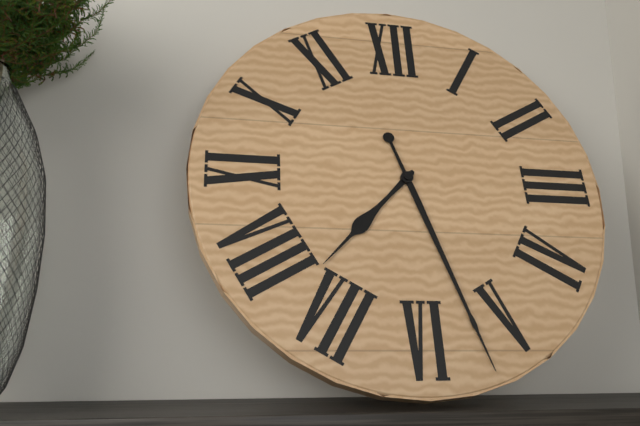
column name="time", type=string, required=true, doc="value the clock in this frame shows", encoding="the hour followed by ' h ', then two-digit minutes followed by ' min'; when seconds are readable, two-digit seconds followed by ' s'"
7 h 27 min
